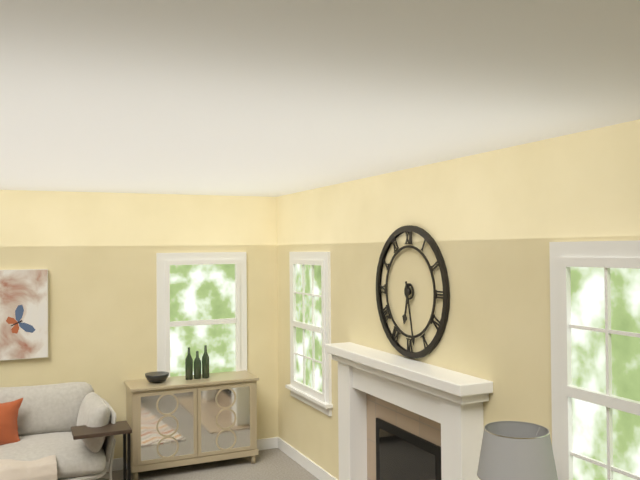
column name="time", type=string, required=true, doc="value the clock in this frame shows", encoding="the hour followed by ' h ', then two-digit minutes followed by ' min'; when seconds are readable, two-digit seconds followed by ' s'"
6 h 28 min
